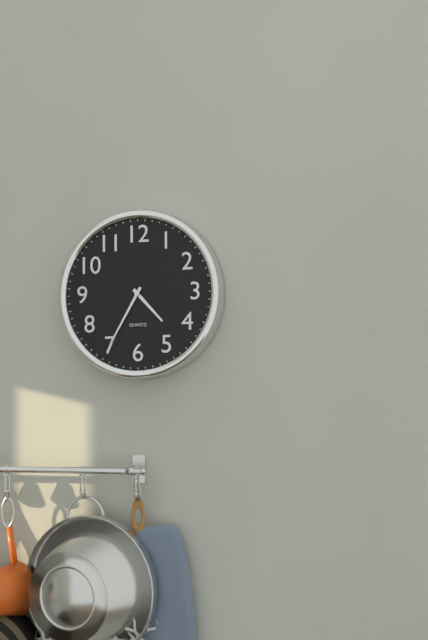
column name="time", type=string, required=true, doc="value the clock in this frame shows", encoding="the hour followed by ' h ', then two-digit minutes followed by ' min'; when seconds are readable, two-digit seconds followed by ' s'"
4 h 35 min
